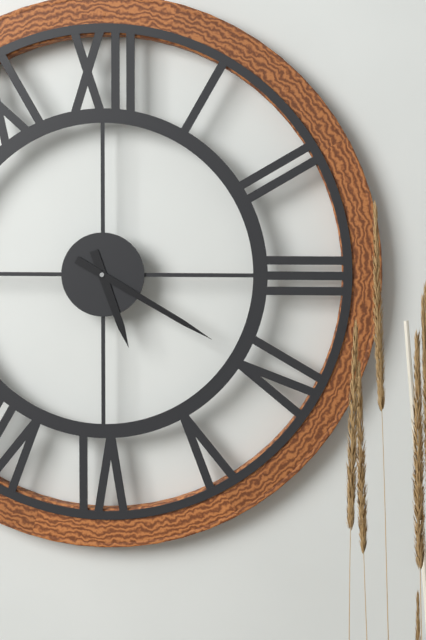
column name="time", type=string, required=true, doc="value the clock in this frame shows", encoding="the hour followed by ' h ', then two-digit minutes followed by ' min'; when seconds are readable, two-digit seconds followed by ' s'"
5 h 20 min
